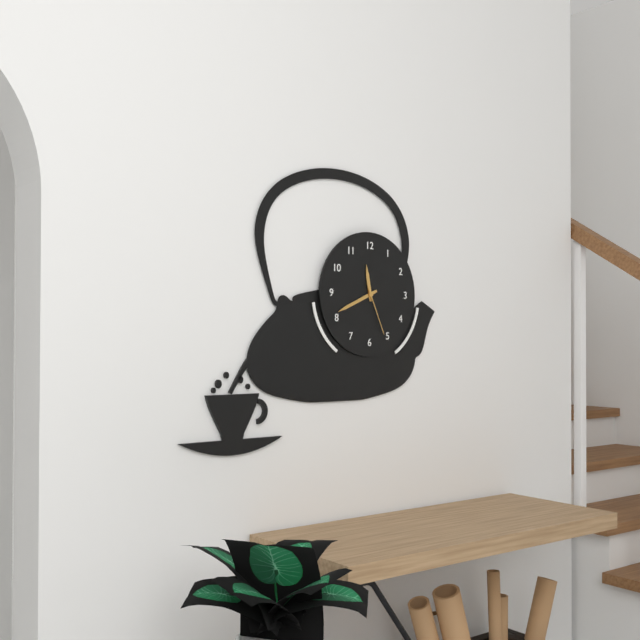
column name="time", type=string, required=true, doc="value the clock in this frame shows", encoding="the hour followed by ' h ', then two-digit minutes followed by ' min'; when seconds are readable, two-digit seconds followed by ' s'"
11 h 41 min 26 s
